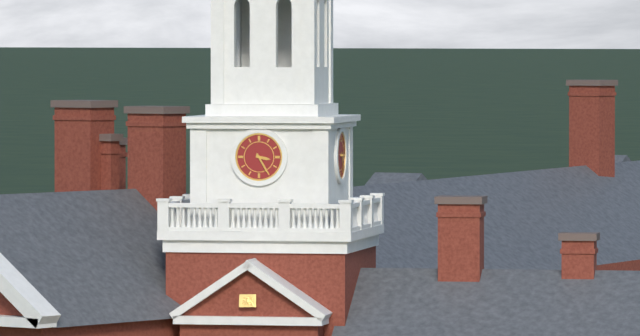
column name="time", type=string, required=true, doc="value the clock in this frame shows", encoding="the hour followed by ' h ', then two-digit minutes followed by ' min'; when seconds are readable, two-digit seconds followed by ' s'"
3 h 25 min
